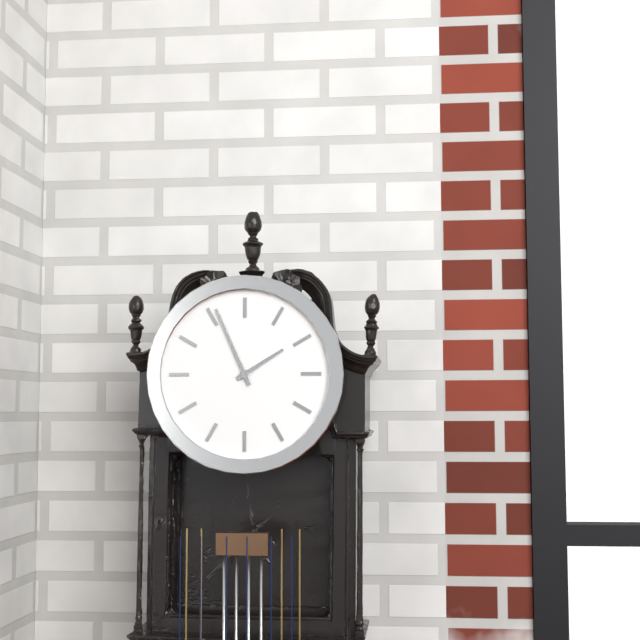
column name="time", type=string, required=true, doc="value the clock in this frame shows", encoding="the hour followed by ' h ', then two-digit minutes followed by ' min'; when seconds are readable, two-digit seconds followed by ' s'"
1 h 56 min
